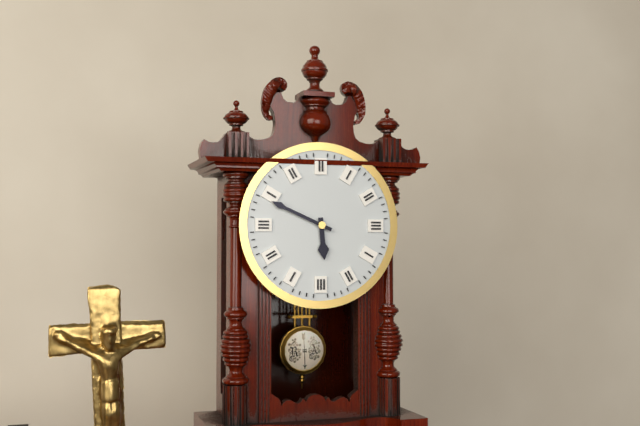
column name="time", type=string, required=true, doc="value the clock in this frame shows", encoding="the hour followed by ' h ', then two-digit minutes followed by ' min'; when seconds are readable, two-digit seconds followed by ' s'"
5 h 49 min
